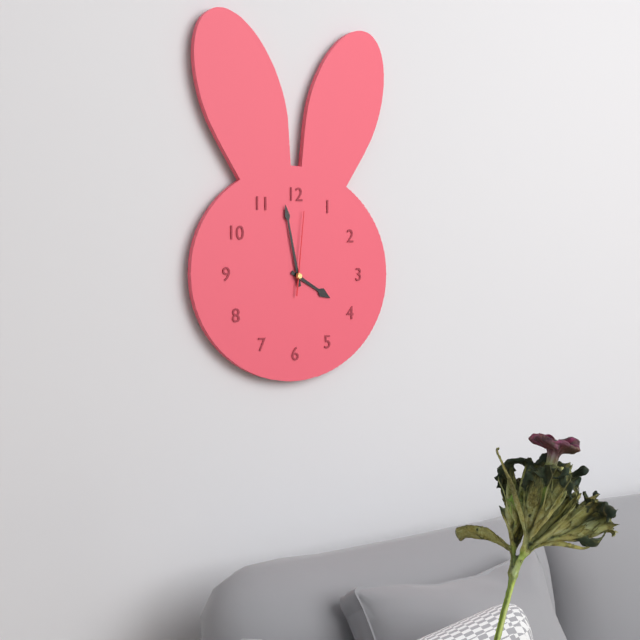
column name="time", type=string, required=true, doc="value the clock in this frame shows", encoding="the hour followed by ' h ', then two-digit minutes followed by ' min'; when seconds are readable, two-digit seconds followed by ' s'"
3 h 58 min 01 s
